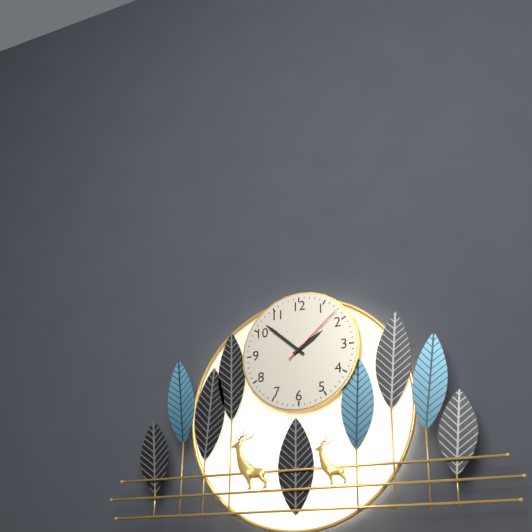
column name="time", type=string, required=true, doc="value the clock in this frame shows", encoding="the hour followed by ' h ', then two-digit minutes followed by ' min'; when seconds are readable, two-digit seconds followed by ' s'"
1 h 52 min 08 s
